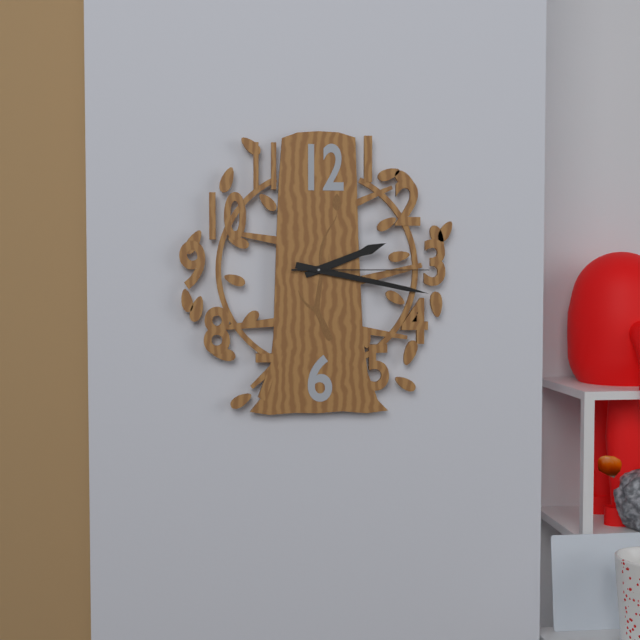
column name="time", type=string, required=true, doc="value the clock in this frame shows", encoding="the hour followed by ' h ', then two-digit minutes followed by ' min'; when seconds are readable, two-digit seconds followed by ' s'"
2 h 17 min 15 s
